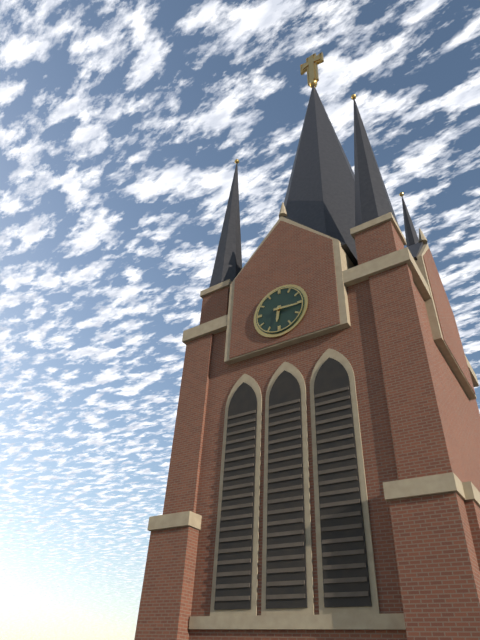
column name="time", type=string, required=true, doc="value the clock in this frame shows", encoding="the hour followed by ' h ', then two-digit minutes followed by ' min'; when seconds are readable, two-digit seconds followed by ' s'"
6 h 16 min
